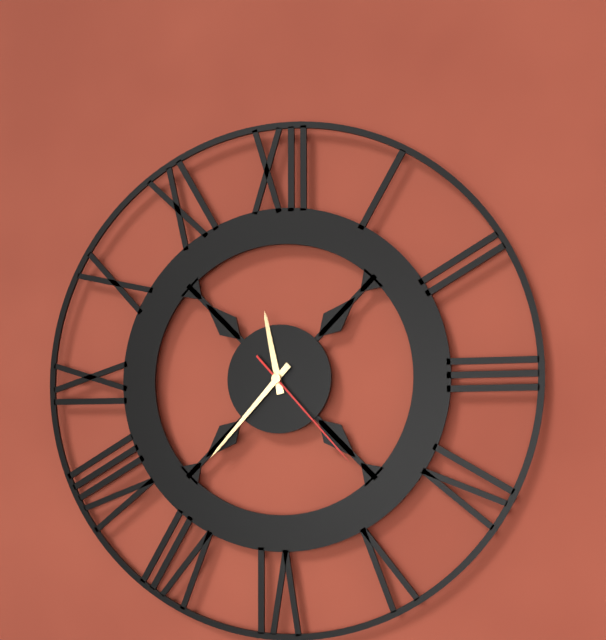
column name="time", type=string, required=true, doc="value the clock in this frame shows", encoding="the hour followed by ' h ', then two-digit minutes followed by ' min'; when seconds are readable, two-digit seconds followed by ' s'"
11 h 37 min 23 s
